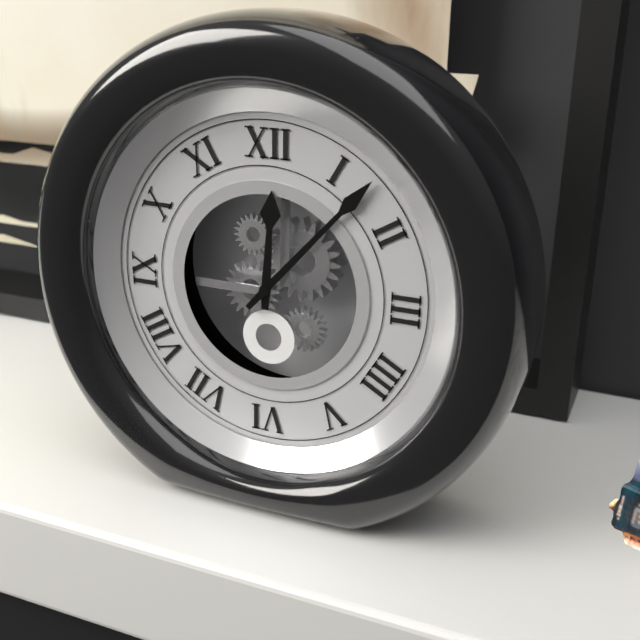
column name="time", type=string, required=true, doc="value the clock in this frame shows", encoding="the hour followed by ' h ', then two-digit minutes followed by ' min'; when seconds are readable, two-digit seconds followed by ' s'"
12 h 07 min
